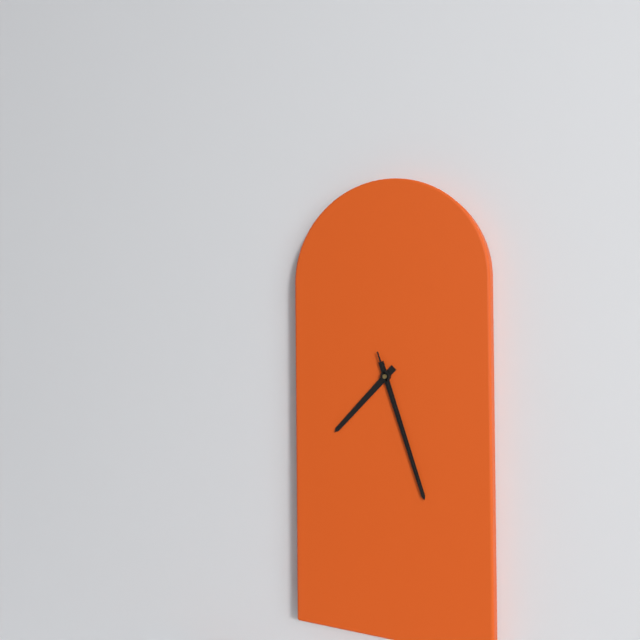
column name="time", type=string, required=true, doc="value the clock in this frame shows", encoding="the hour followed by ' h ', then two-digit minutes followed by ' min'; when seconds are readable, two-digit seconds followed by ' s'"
7 h 27 min 27 s
